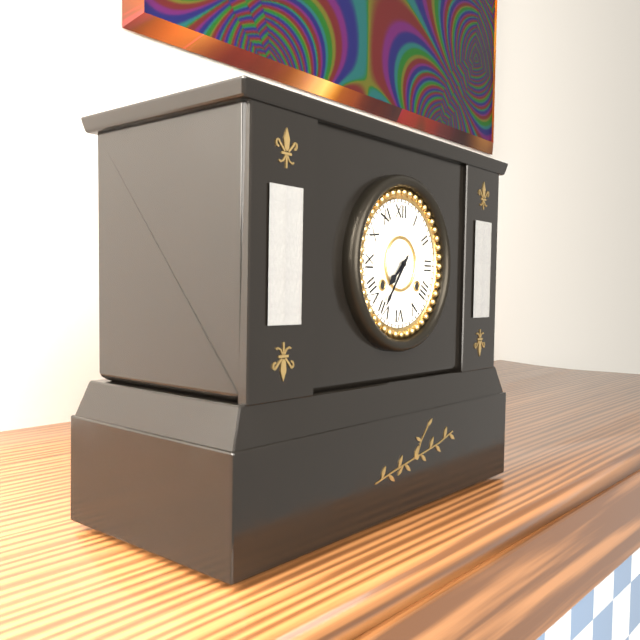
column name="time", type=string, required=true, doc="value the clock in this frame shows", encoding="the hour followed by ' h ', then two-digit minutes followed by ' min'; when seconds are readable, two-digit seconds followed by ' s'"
7 h 36 min
